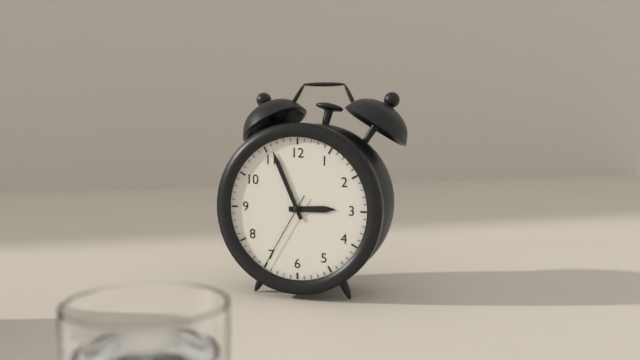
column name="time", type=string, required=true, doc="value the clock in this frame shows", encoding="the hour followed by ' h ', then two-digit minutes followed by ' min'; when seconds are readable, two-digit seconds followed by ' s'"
2 h 56 min 35 s
